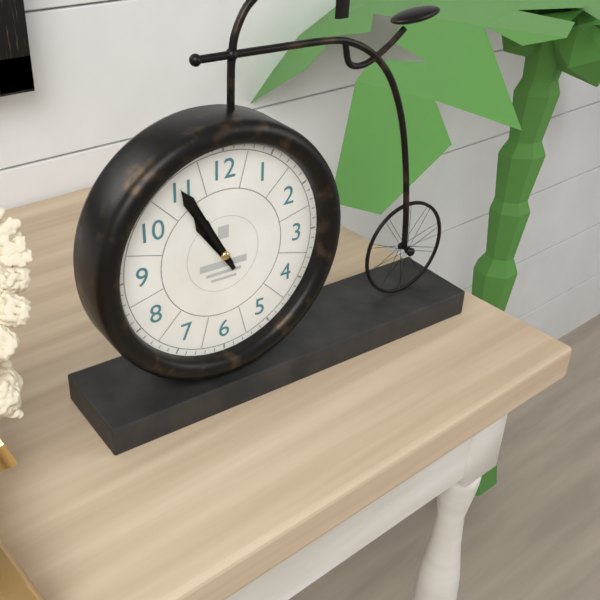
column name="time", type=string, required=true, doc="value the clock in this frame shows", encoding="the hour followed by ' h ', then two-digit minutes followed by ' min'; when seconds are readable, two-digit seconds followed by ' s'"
10 h 55 min
